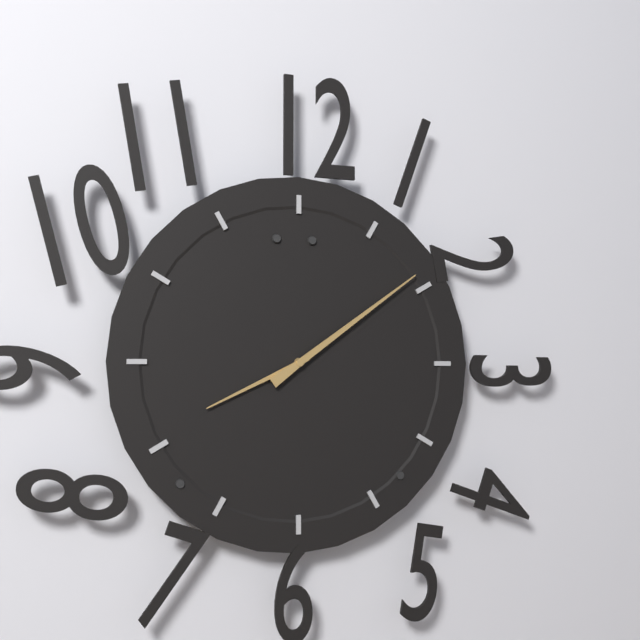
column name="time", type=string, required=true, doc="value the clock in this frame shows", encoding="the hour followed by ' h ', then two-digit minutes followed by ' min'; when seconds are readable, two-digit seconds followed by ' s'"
8 h 09 min
